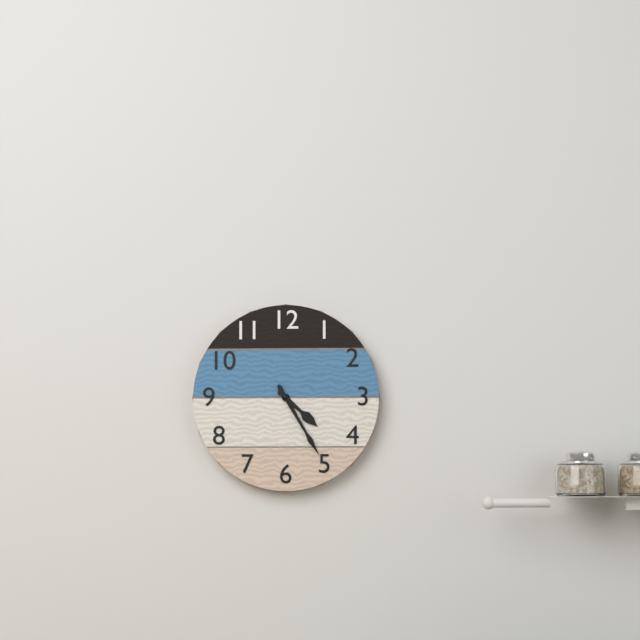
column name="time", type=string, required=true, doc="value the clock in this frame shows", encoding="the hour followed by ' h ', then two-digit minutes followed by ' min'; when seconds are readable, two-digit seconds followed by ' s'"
4 h 25 min
